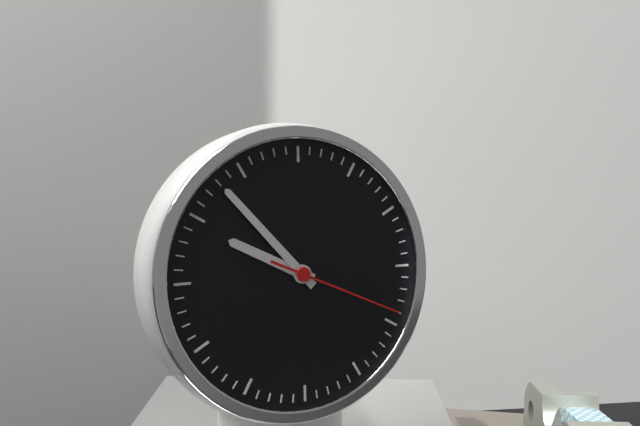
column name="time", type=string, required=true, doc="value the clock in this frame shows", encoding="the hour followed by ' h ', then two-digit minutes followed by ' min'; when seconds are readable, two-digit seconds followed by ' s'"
9 h 53 min 19 s
